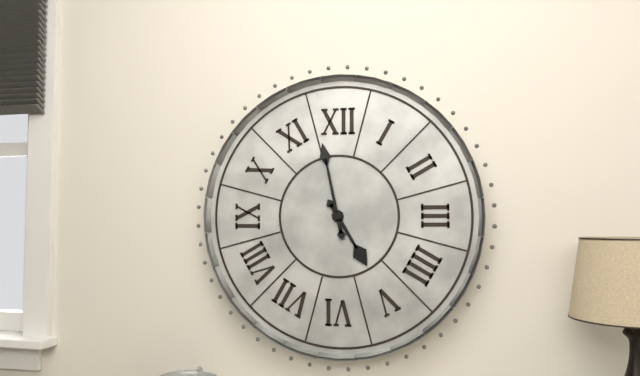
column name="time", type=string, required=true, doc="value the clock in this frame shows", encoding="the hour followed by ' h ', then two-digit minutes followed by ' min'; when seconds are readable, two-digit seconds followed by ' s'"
4 h 58 min
